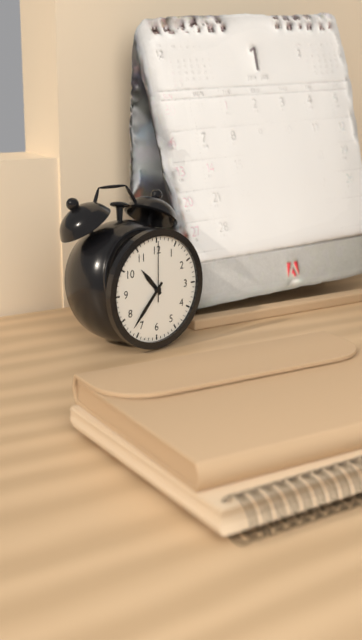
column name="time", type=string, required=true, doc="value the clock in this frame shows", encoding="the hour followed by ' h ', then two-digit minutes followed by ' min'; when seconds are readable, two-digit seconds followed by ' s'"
10 h 37 min 00 s
